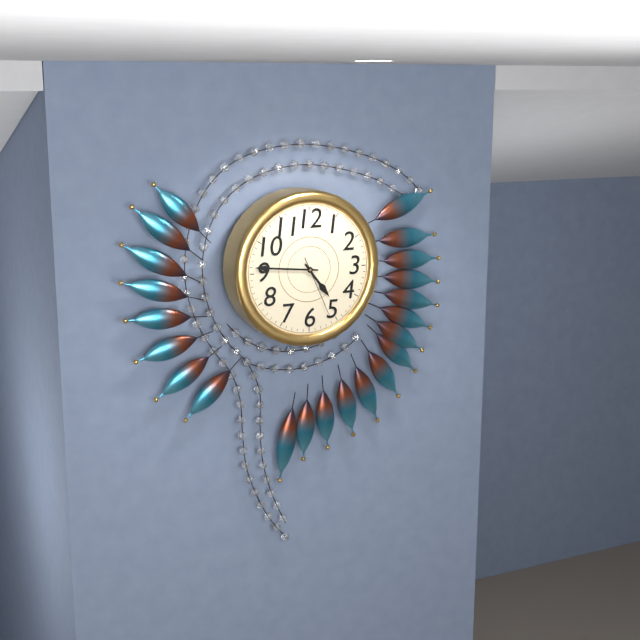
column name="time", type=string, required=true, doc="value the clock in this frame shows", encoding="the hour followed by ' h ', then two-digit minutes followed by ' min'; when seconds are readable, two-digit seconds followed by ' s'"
4 h 46 min 26 s
